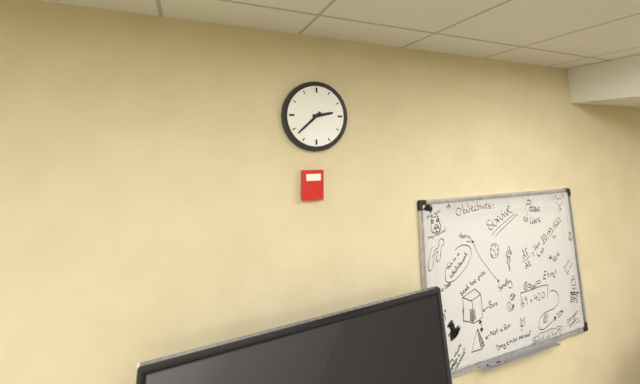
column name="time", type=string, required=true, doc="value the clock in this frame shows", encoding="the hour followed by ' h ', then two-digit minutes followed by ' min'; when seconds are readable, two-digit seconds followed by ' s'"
2 h 38 min
